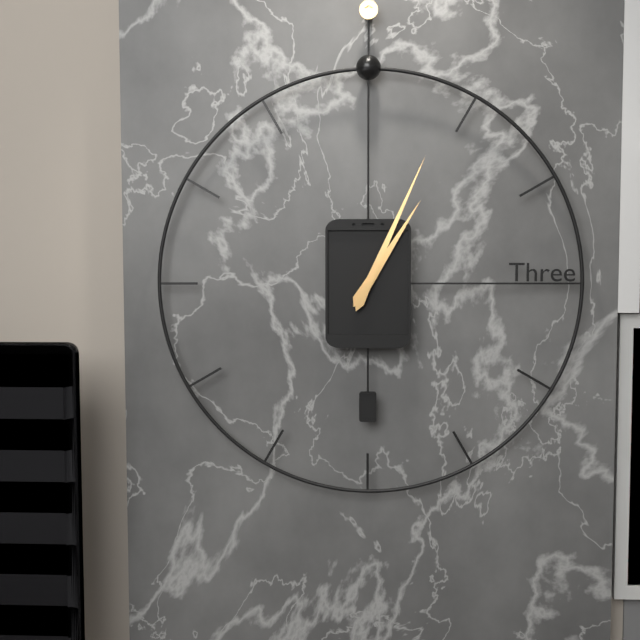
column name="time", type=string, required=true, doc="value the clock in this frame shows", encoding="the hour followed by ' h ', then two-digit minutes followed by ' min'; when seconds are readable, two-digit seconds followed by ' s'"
1 h 04 min
